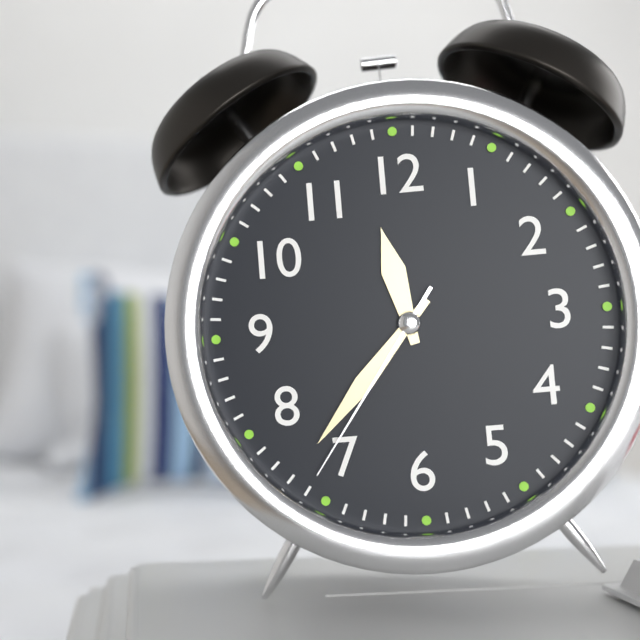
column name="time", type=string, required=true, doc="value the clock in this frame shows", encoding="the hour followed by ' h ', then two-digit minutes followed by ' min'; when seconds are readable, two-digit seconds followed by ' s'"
11 h 37 min 36 s
